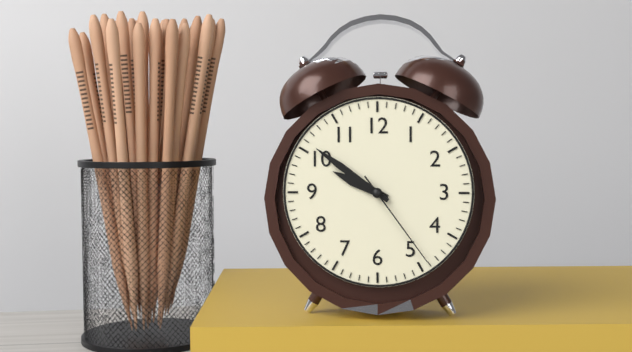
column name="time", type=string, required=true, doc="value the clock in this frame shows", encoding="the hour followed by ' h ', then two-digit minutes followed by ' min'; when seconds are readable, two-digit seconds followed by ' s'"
9 h 51 min 24 s
